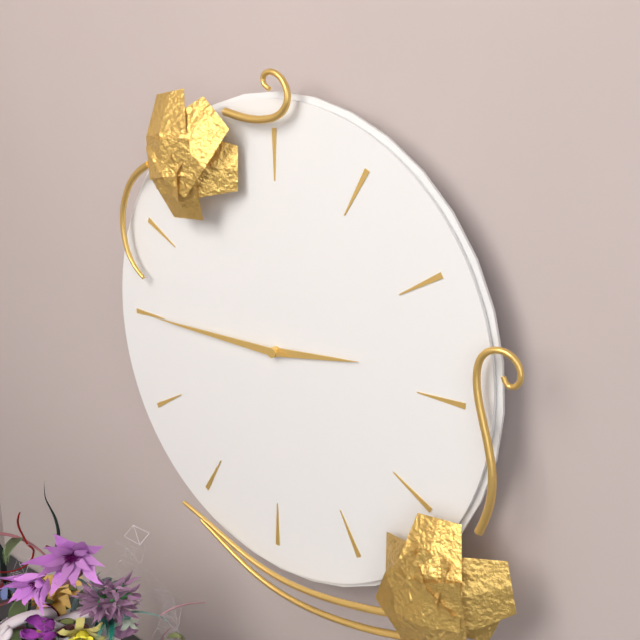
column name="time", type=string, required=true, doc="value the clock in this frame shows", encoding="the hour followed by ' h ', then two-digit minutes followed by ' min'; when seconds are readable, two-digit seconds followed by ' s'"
2 h 45 min
